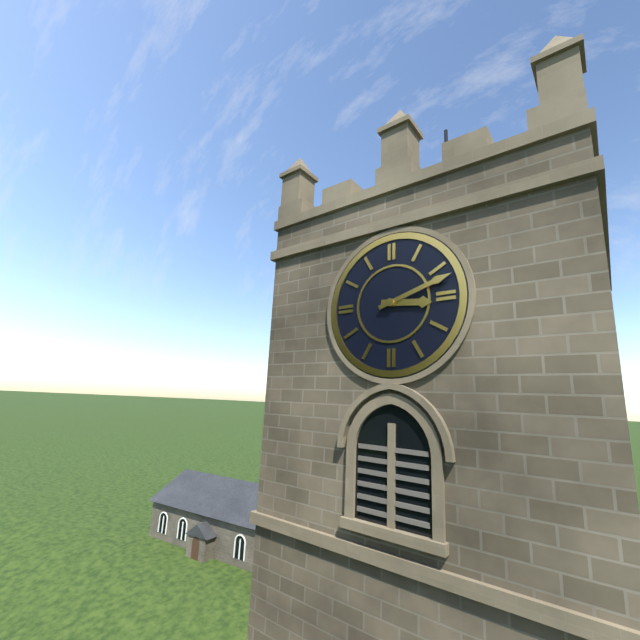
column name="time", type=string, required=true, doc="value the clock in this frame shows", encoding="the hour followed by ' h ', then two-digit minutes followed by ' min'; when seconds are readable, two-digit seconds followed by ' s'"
3 h 12 min
